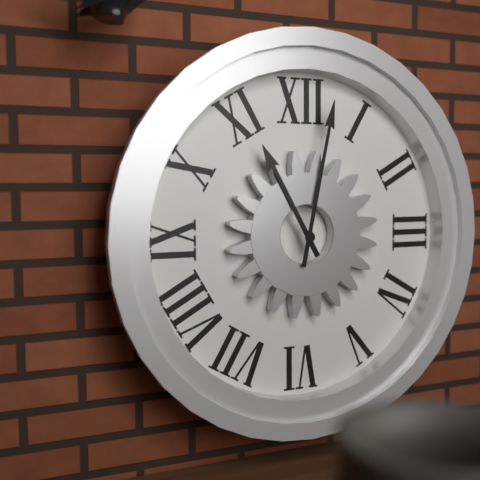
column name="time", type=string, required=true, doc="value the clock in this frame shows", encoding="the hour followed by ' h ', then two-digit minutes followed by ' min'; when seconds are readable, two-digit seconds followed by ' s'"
11 h 02 min
